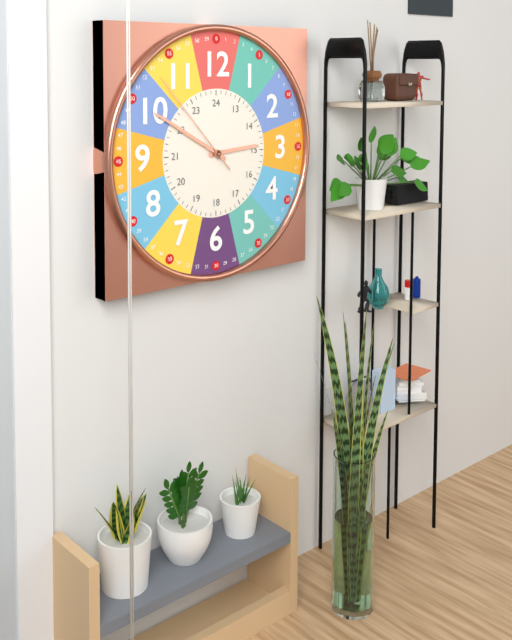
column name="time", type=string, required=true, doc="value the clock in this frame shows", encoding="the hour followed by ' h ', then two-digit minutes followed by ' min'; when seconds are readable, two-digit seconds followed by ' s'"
2 h 50 min 53 s
